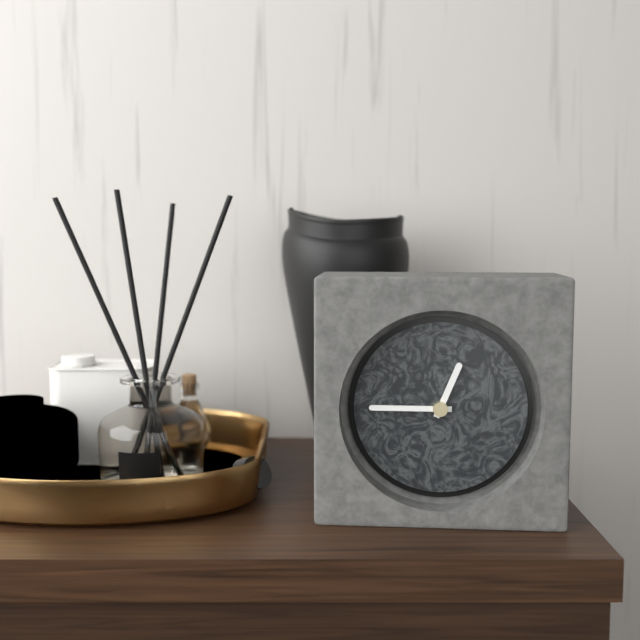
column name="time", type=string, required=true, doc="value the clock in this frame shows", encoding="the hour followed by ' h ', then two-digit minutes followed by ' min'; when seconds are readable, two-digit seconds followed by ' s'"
12 h 45 min
